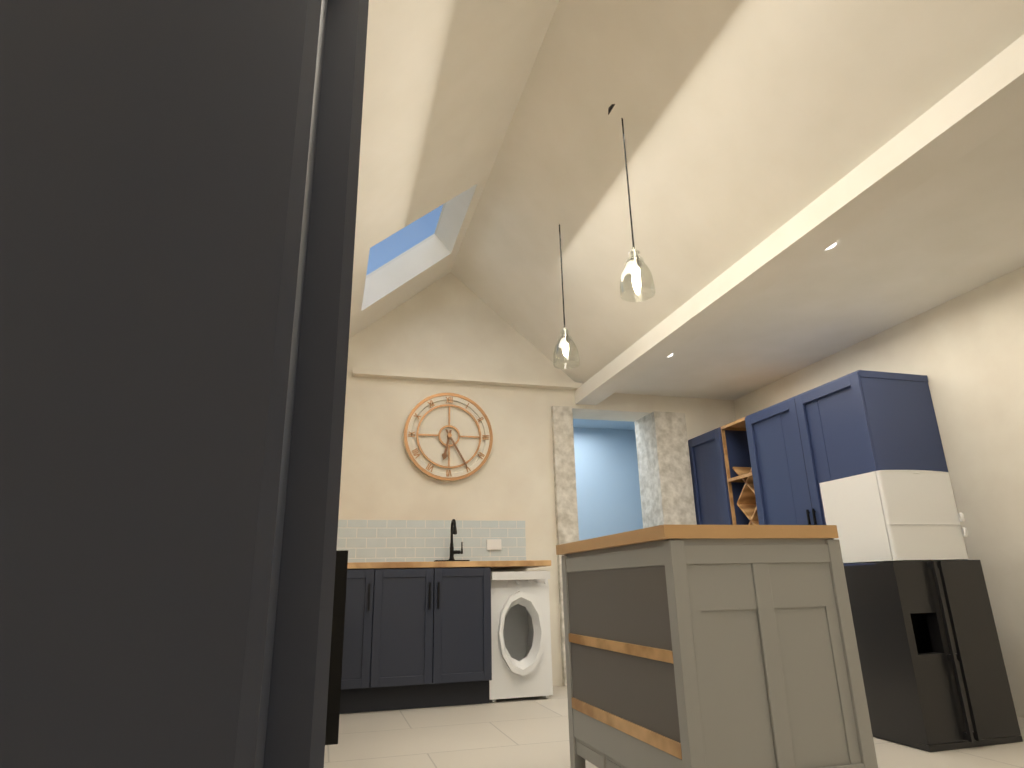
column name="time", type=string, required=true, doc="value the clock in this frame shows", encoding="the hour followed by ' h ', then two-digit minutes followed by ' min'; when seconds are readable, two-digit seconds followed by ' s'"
6 h 25 min
